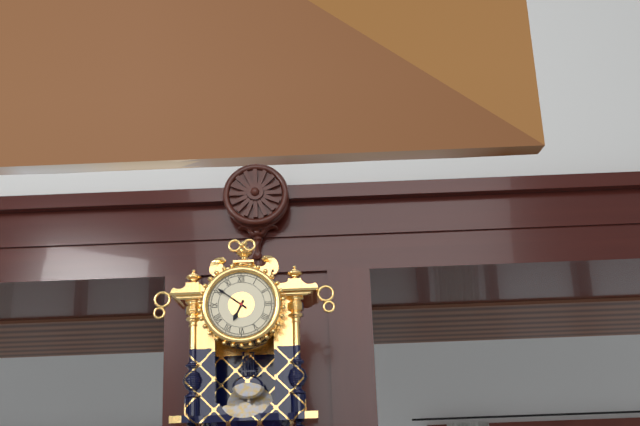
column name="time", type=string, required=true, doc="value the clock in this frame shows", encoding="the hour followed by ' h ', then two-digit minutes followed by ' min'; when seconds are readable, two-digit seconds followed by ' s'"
6 h 51 min
